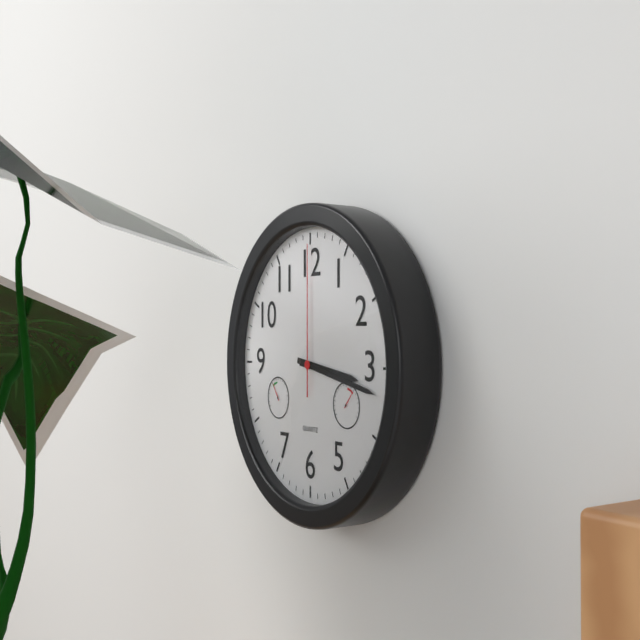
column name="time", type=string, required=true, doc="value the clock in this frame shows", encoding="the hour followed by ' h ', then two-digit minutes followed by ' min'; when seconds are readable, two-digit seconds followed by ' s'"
3 h 17 min 00 s
